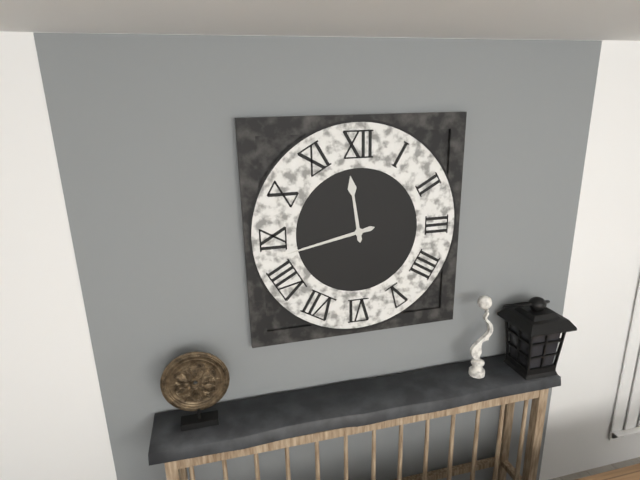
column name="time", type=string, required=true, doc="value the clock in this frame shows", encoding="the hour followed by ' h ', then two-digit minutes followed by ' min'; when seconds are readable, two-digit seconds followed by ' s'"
11 h 43 min
